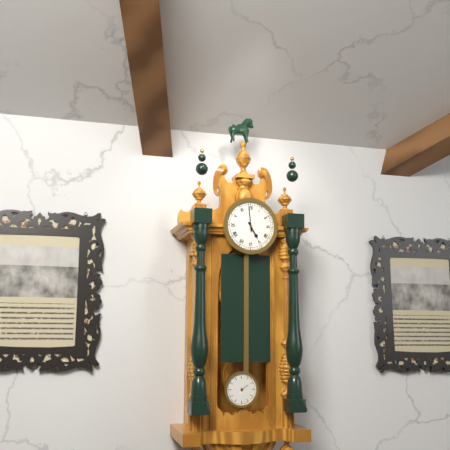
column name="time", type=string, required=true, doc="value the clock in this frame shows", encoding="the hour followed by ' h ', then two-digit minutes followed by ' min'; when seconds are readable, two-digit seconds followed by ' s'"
4 h 59 min
